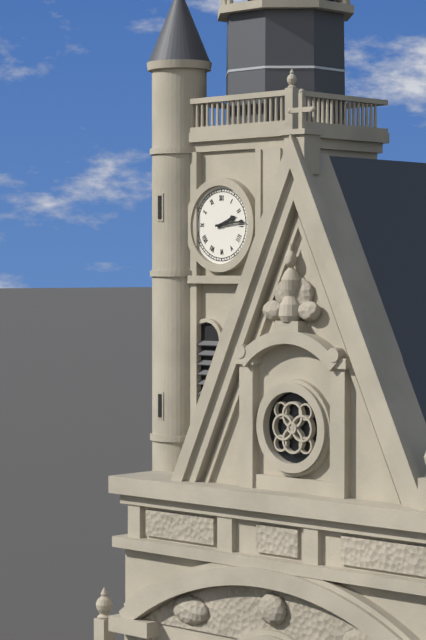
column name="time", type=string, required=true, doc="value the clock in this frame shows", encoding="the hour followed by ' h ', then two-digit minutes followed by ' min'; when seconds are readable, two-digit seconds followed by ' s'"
2 h 14 min
